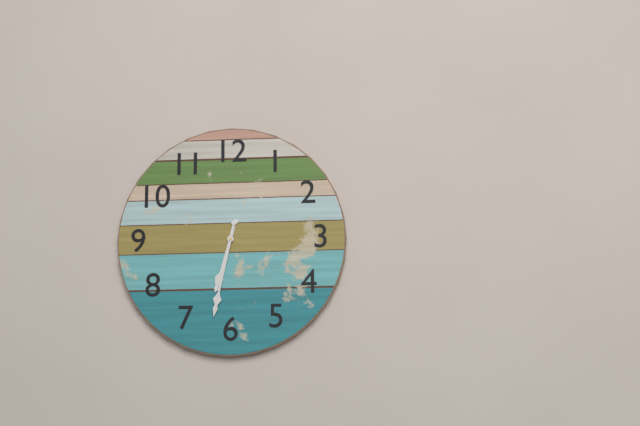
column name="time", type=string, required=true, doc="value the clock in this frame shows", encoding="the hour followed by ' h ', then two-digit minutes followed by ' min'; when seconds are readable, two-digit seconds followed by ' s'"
6 h 32 min
